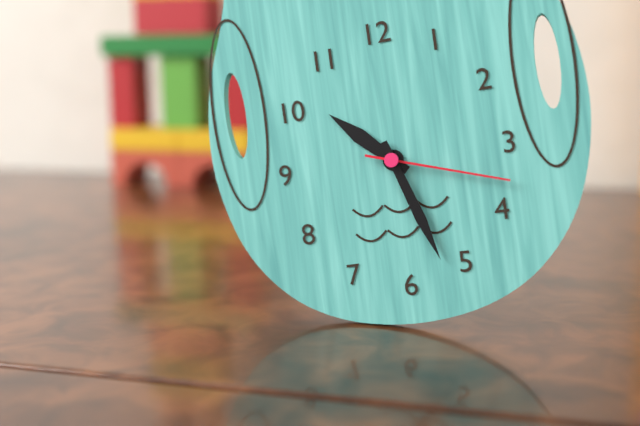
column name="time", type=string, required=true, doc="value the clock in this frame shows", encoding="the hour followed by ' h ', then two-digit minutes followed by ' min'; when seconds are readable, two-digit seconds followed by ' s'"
10 h 27 min 18 s
